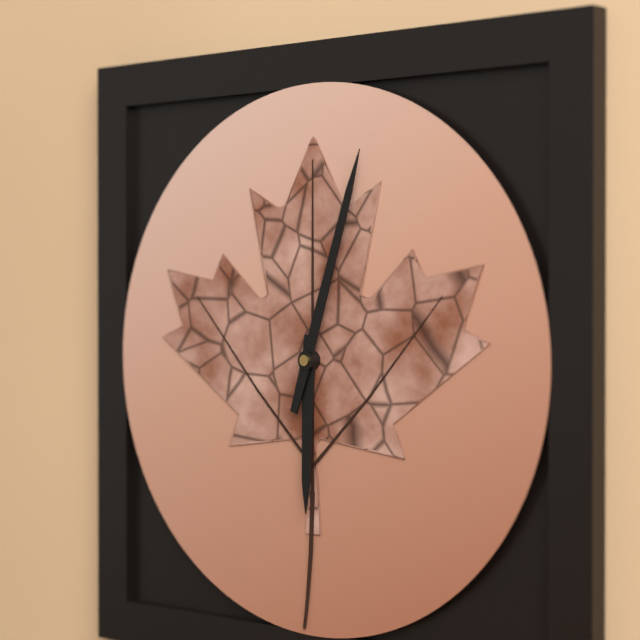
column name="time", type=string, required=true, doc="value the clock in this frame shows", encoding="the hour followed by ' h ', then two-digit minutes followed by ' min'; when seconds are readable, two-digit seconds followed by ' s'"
6 h 03 min
